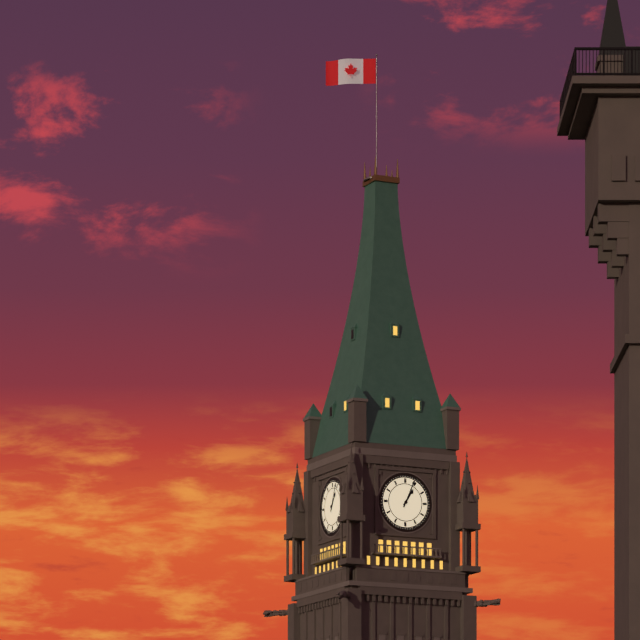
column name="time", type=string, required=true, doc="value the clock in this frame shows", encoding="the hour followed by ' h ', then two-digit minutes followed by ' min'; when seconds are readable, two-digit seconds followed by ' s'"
1 h 04 min
